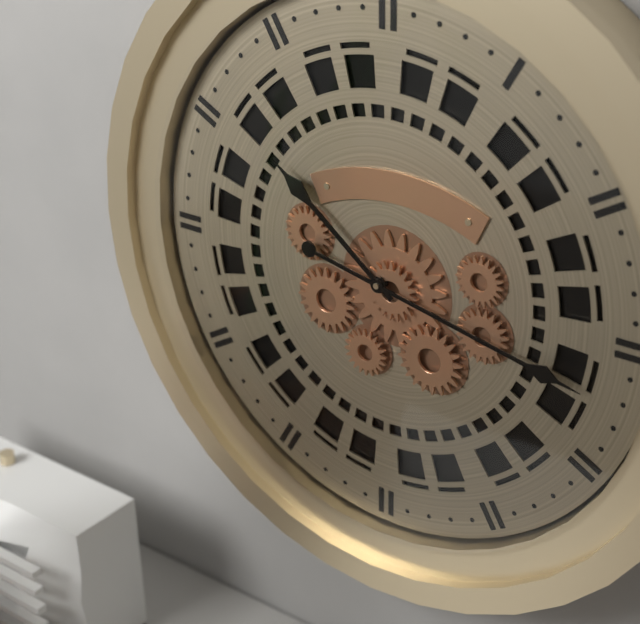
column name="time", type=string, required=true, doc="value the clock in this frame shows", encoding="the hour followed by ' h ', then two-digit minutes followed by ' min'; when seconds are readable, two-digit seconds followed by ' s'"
10 h 17 min
